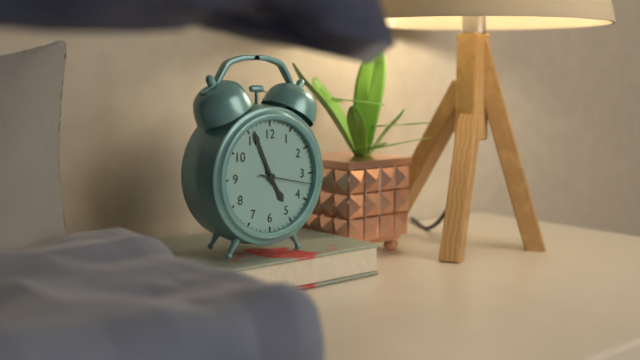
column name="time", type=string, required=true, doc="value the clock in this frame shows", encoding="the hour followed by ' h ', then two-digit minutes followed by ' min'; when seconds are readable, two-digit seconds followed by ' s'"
4 h 56 min 17 s
